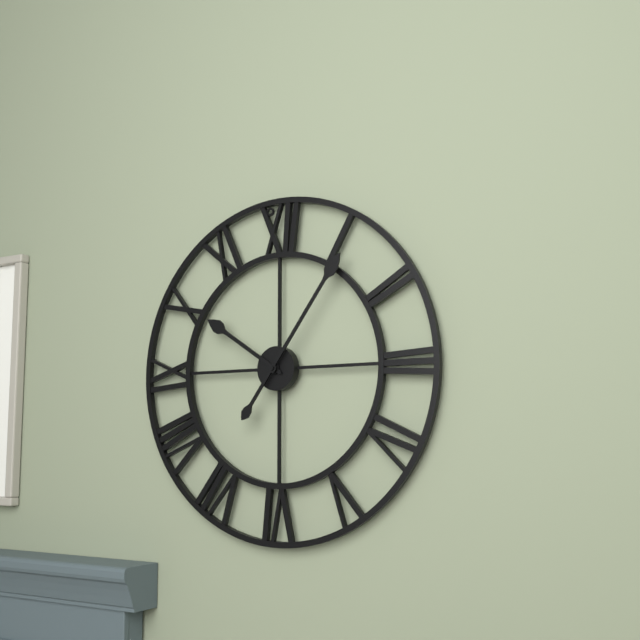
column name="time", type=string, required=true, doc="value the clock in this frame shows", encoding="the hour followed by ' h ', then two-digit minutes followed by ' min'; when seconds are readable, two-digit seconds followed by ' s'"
10 h 06 min
